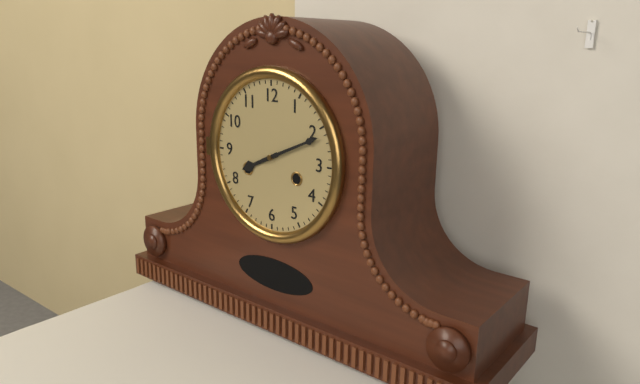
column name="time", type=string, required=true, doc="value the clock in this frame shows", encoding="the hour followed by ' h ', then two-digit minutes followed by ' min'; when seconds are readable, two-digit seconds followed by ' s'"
8 h 11 min
